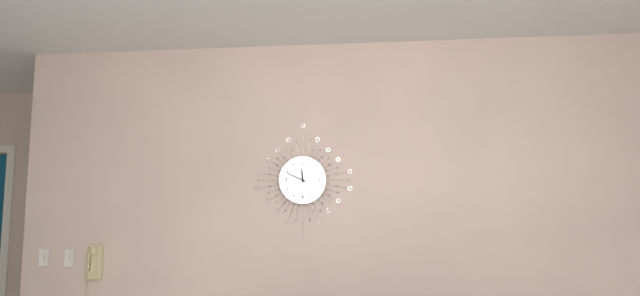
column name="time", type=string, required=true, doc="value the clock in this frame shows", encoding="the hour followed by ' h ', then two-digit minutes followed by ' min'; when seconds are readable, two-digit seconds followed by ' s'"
11 h 49 min
